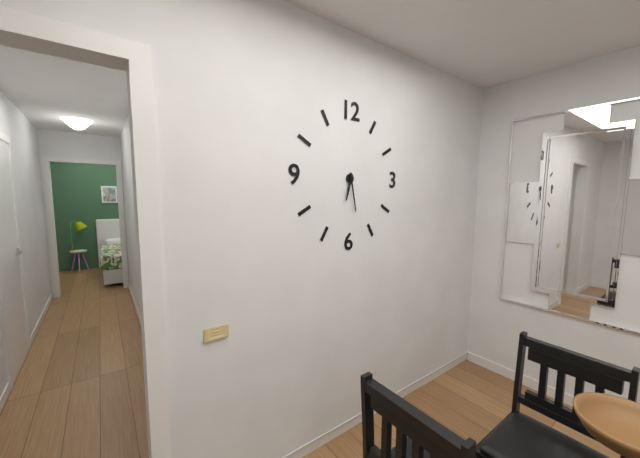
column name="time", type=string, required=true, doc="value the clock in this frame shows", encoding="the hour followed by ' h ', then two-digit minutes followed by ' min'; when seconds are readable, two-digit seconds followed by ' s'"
6 h 28 min
